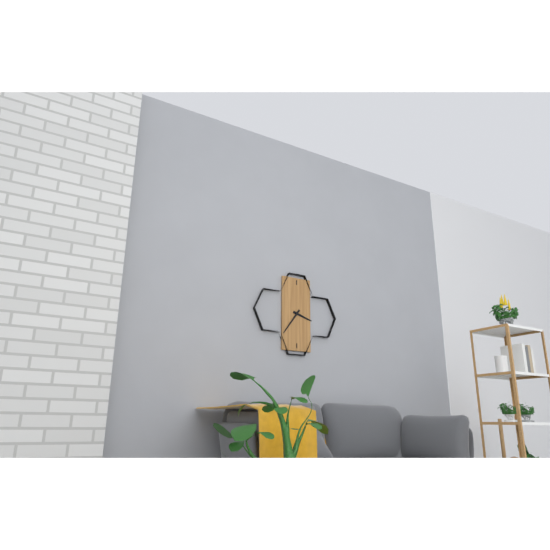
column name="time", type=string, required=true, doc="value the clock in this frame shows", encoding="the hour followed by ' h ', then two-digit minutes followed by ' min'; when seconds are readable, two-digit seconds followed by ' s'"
3 h 36 min
